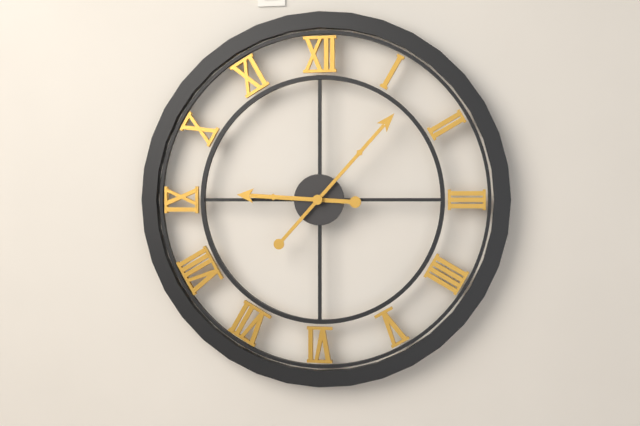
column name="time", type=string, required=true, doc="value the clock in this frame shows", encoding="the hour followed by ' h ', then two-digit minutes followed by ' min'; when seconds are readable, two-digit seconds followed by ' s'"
9 h 07 min
